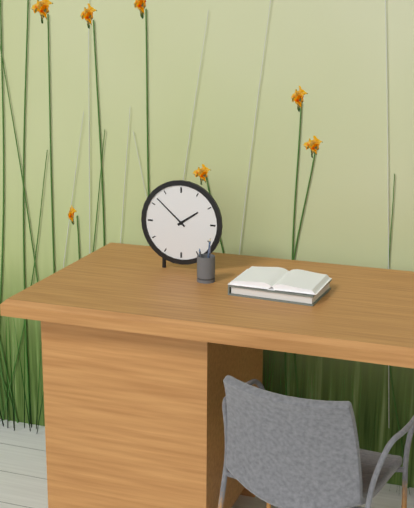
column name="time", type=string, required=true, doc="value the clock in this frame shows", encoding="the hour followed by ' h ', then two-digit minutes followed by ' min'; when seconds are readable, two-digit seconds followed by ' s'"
1 h 52 min
